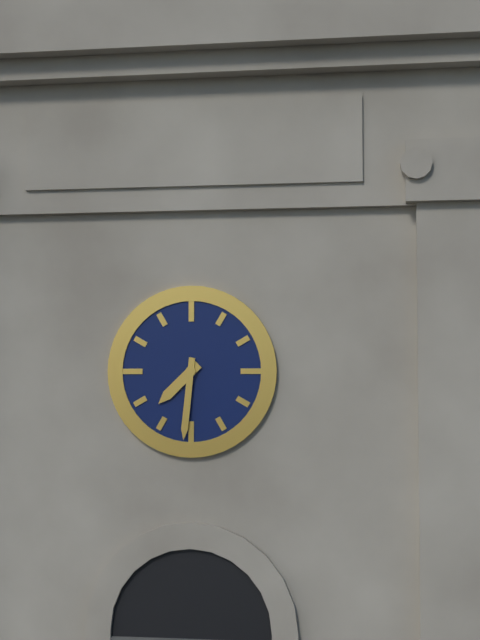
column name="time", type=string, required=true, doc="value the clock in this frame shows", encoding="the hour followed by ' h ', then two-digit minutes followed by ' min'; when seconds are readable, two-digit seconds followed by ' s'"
7 h 31 min
